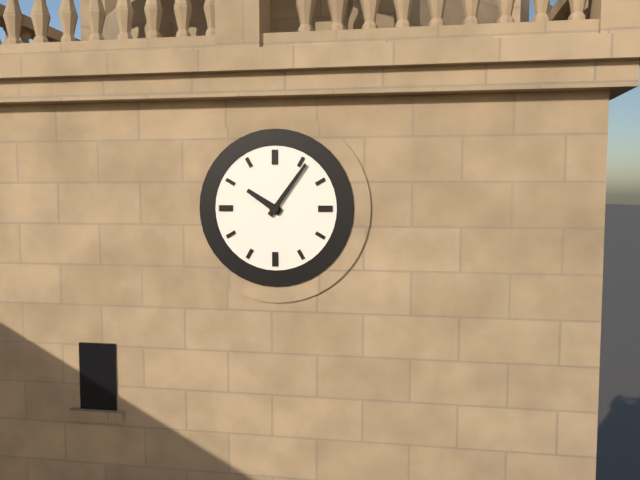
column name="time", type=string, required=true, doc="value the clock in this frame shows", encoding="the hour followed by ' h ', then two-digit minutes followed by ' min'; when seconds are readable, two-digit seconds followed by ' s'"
10 h 06 min
